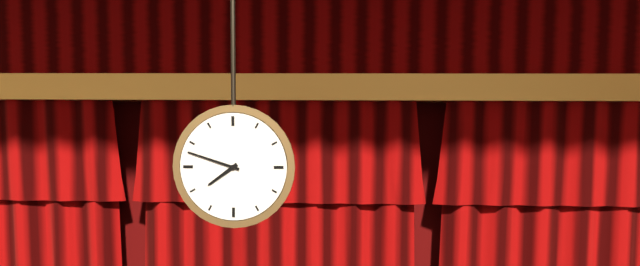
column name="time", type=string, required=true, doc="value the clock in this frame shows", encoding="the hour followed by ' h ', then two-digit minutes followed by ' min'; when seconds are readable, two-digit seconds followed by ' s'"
7 h 48 min
